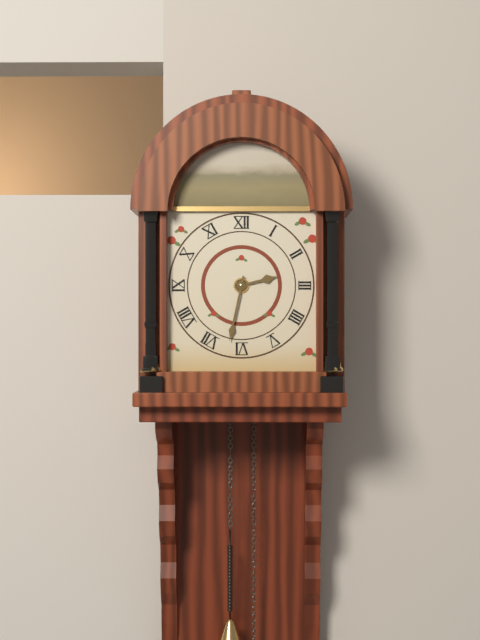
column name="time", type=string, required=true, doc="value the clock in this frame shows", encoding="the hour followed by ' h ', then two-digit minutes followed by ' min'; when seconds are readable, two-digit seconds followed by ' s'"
2 h 32 min
